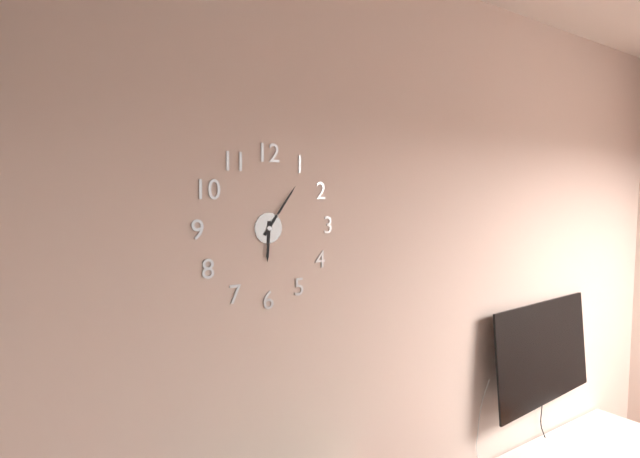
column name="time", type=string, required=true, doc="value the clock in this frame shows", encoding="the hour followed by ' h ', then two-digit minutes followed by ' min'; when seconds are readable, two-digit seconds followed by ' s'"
6 h 06 min
